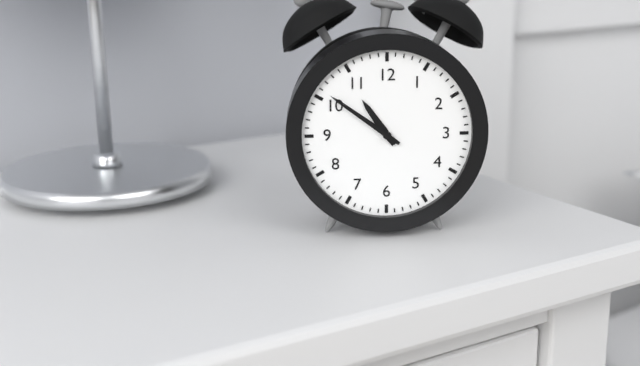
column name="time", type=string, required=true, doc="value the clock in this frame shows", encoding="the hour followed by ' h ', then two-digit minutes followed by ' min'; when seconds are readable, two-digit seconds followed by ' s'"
10 h 51 min
